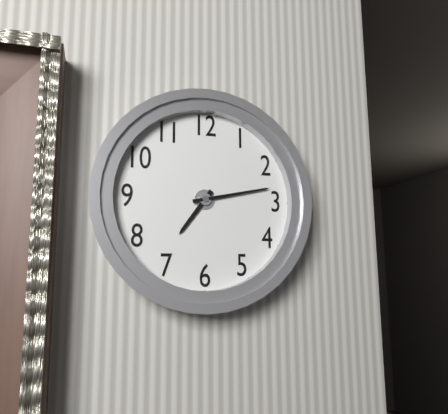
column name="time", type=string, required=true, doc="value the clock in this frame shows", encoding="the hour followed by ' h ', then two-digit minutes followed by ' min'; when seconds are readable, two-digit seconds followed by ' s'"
7 h 13 min
